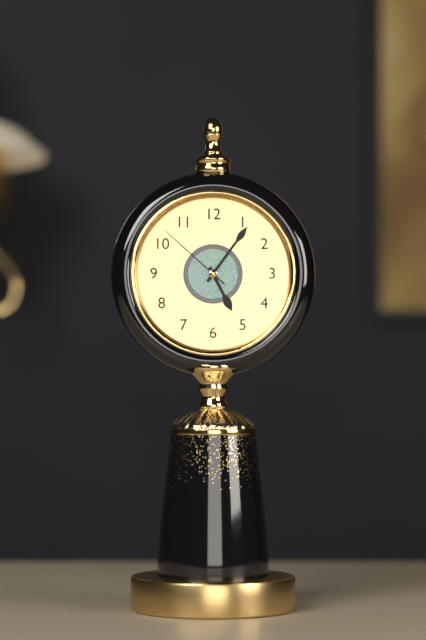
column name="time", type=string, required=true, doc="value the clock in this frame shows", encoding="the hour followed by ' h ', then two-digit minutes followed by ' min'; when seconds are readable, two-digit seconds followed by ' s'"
5 h 06 min 52 s
